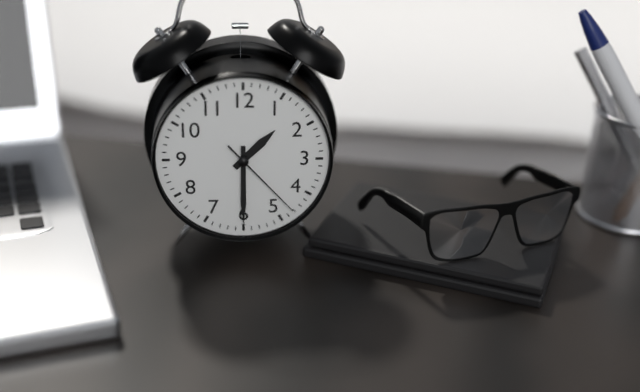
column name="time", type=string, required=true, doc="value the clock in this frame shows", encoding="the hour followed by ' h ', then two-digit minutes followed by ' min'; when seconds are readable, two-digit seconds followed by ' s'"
1 h 30 min 23 s
